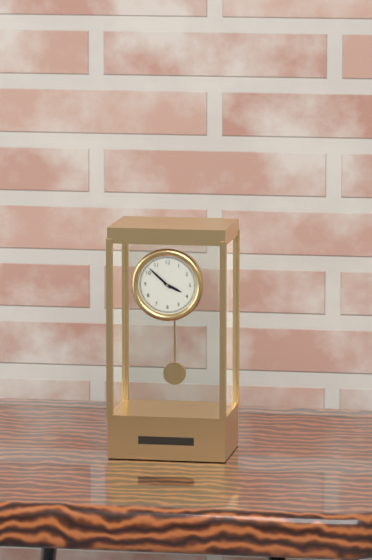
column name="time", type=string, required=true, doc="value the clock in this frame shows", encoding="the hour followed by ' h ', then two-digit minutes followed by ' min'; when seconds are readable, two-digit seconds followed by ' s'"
3 h 52 min
